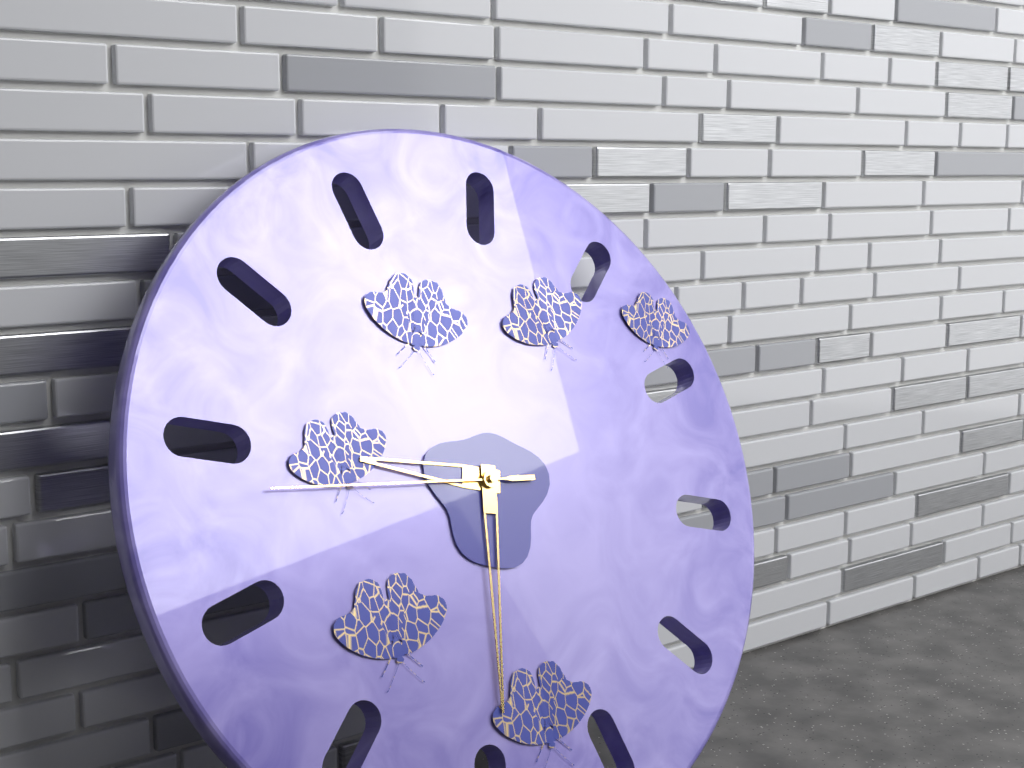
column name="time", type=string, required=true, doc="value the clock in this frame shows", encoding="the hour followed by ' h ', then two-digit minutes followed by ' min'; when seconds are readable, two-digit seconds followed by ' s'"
9 h 32 min 46 s
